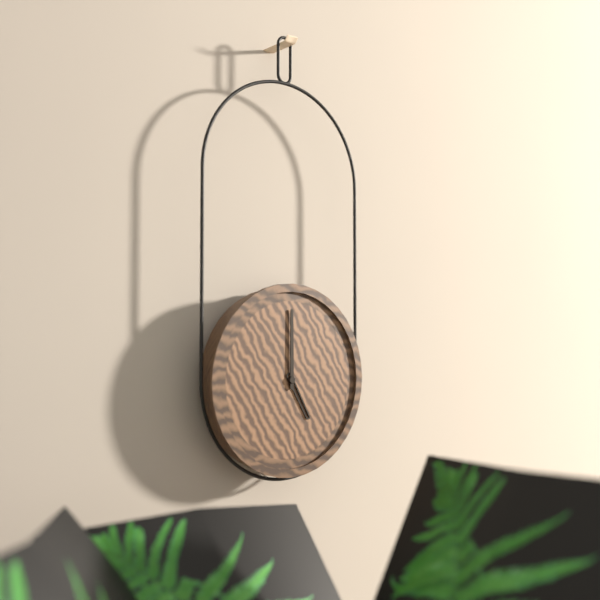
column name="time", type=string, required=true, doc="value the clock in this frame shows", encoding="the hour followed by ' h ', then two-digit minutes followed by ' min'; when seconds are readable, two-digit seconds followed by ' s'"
5 h 00 min
